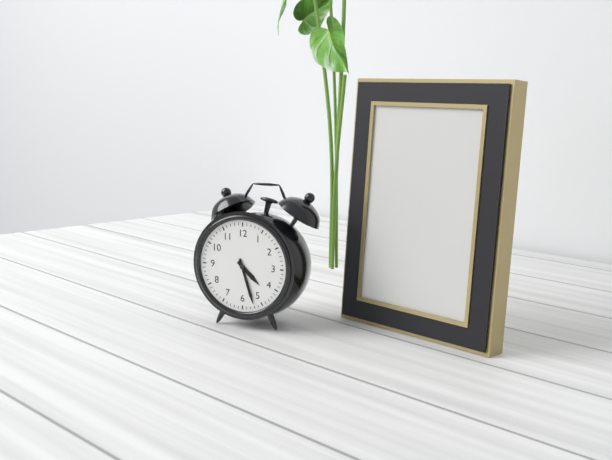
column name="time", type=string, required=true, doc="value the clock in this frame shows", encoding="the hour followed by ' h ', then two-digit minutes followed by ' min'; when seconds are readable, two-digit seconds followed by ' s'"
4 h 27 min
